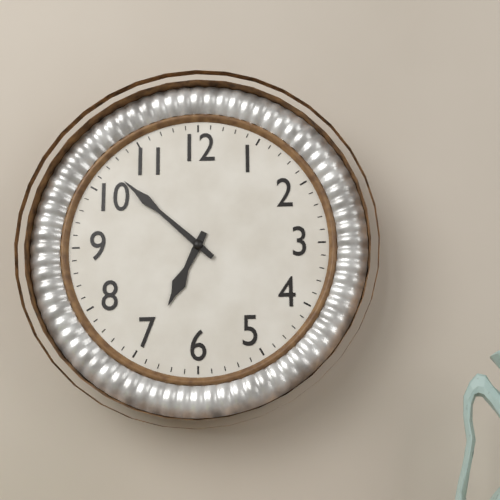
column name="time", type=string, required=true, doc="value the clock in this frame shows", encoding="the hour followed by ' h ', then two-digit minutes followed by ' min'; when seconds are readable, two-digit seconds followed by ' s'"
6 h 52 min
